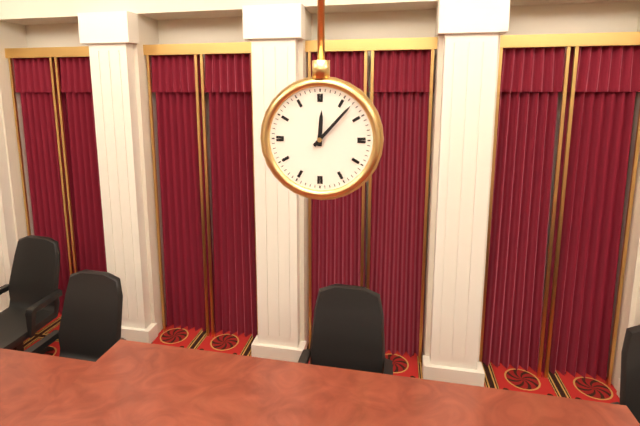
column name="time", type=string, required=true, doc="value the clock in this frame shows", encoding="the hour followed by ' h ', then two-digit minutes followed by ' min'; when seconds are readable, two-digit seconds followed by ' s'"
12 h 07 min
